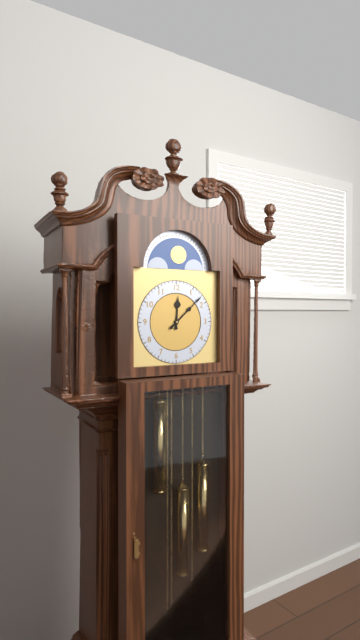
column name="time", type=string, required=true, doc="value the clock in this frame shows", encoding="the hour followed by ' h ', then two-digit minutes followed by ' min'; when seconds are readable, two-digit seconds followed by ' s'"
12 h 08 min
